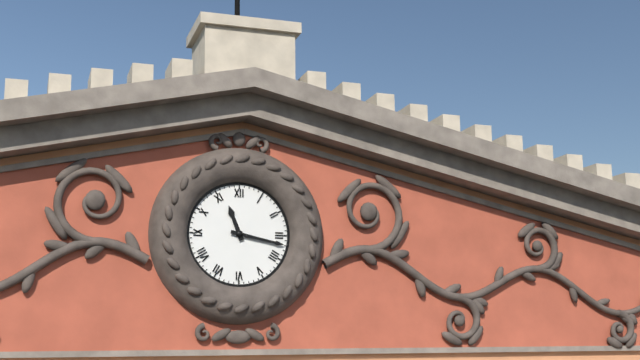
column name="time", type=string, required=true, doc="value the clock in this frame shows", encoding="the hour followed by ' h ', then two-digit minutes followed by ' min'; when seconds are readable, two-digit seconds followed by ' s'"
11 h 17 min
